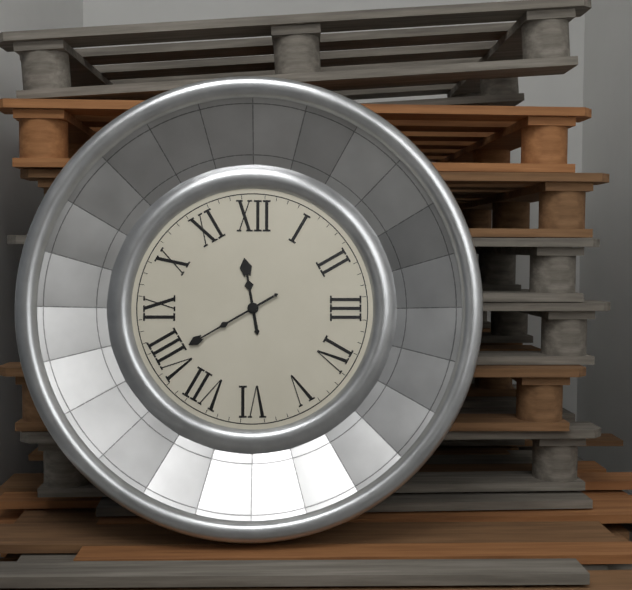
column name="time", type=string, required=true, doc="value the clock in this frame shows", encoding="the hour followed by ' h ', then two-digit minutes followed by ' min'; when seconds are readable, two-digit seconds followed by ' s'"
11 h 40 min
